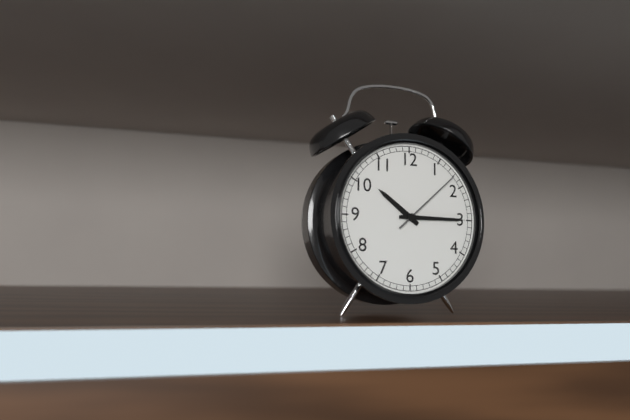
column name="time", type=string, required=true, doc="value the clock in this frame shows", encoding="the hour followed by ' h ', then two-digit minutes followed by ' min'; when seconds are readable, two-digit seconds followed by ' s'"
10 h 15 min 08 s
